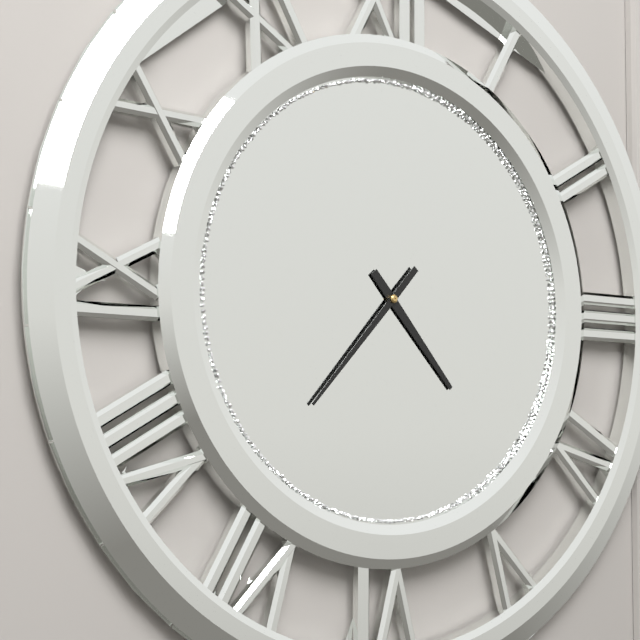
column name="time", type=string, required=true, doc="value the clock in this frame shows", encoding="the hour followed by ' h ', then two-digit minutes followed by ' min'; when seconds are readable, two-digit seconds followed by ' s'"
4 h 37 min
